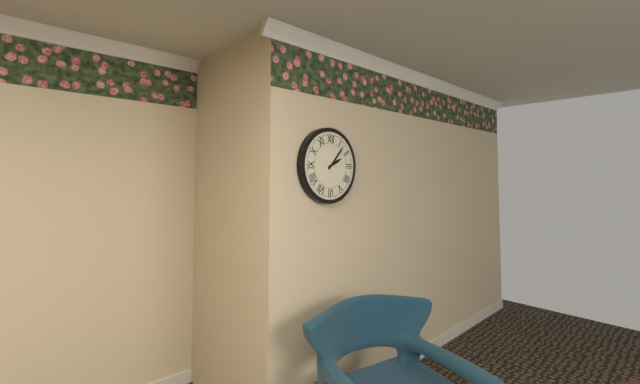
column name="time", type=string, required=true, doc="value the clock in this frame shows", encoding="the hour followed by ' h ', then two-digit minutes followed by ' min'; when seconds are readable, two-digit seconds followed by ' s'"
2 h 07 min
